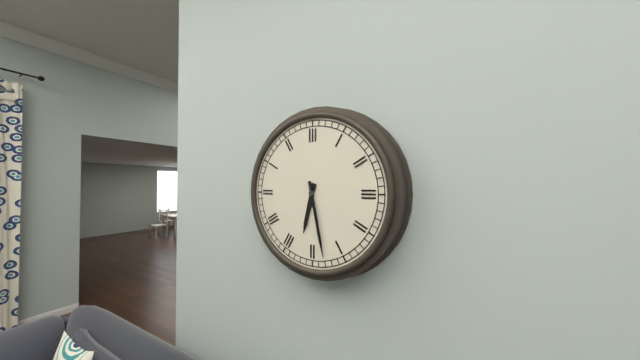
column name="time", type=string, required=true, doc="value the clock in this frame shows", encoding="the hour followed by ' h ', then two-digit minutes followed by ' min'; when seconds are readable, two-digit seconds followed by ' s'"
6 h 28 min
